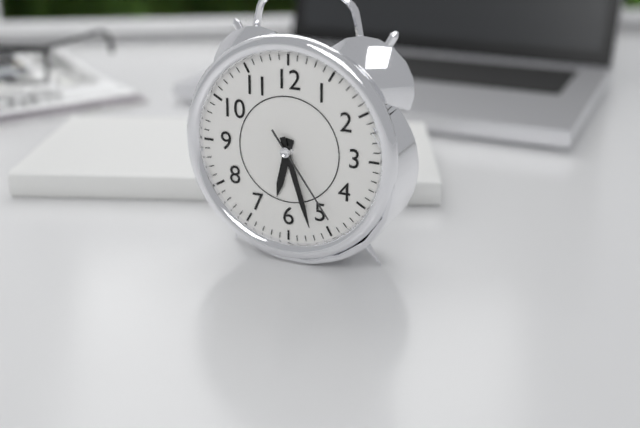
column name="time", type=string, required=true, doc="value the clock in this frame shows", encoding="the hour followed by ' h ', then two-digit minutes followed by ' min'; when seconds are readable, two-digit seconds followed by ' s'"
6 h 27 min 24 s
